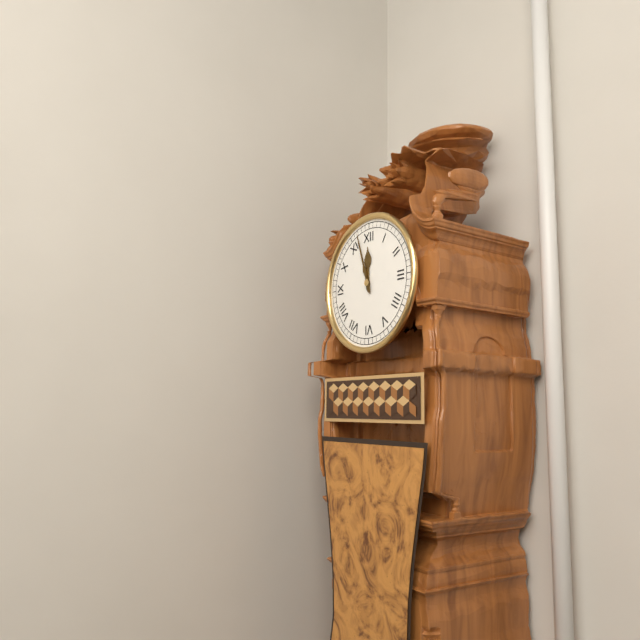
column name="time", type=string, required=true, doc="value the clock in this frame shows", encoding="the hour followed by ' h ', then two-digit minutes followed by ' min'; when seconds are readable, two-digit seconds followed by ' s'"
11 h 57 min
